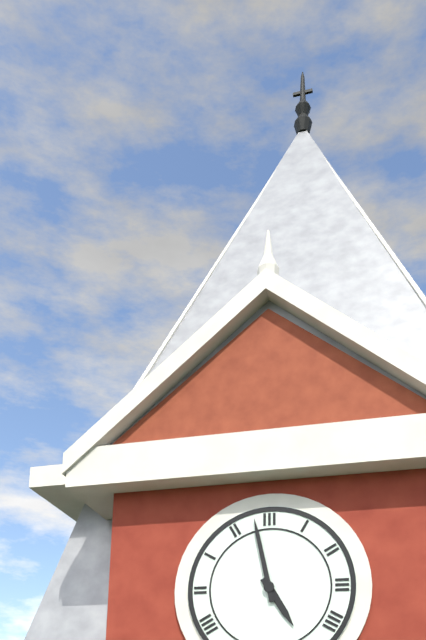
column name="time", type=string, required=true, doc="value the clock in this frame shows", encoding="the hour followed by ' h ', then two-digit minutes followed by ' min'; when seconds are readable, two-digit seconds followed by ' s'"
4 h 58 min
